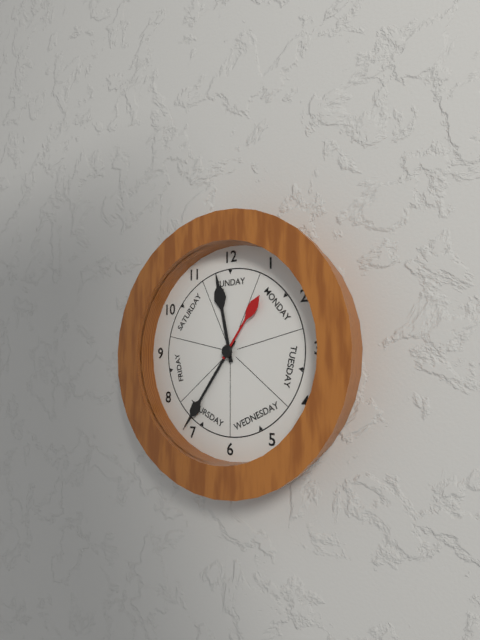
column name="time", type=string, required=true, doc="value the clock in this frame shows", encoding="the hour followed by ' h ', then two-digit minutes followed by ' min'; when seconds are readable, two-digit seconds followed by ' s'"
11 h 36 min 06 s
